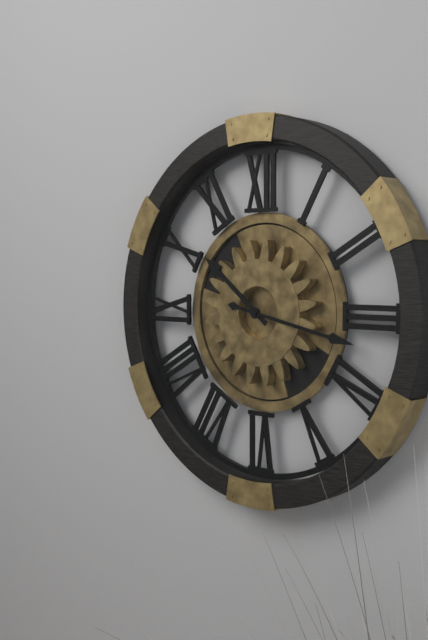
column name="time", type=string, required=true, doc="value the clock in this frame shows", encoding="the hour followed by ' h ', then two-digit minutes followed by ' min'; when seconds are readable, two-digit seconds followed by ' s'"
10 h 17 min
